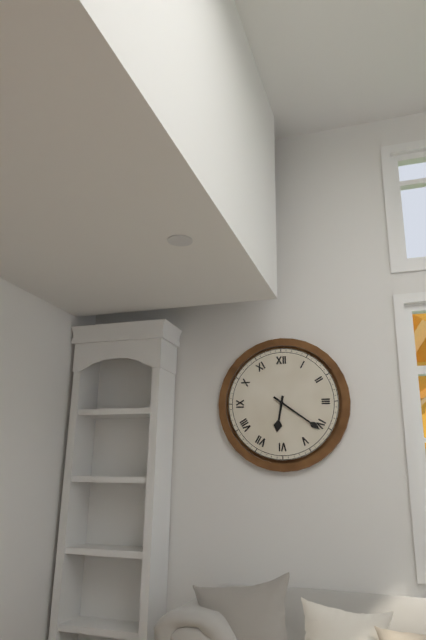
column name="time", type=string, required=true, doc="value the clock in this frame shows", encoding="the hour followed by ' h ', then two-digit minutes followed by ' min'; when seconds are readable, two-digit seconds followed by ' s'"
6 h 21 min
